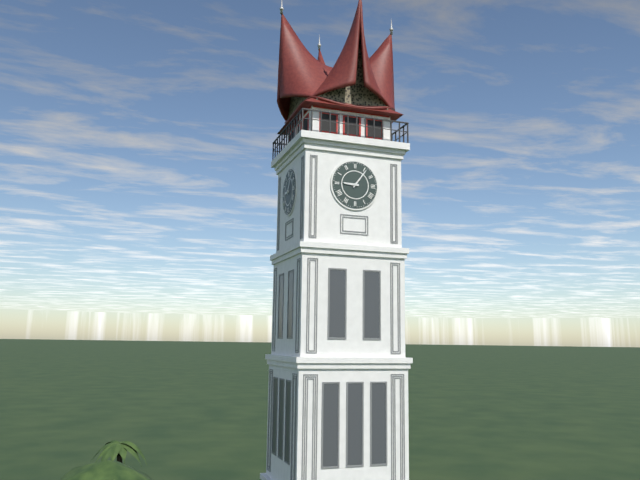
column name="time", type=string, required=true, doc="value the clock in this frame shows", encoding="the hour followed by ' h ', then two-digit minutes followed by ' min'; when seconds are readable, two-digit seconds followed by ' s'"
9 h 06 min
